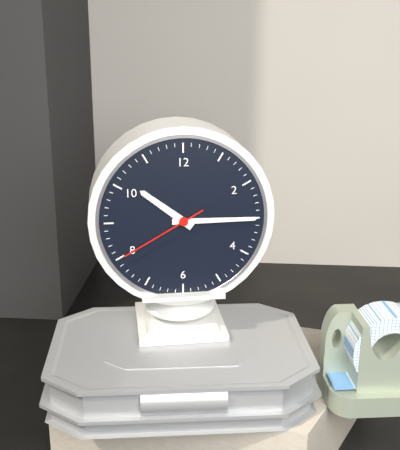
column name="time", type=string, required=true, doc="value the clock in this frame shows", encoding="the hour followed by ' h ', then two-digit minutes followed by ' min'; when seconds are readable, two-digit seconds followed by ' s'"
10 h 15 min 40 s
